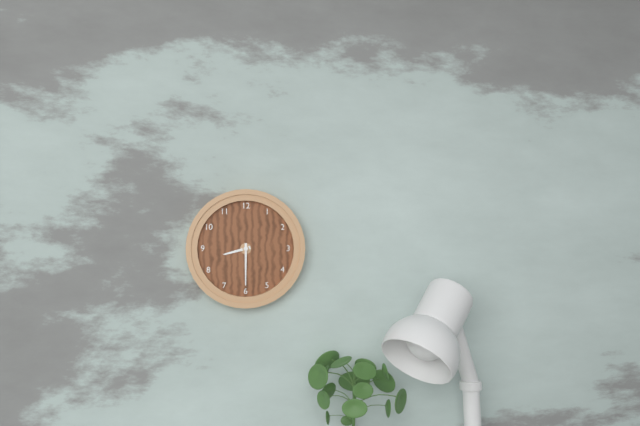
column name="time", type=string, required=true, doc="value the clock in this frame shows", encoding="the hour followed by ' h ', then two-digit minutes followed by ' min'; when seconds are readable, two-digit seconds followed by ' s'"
8 h 30 min
